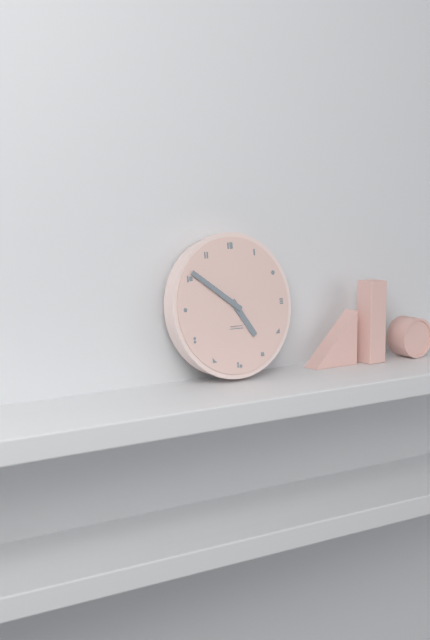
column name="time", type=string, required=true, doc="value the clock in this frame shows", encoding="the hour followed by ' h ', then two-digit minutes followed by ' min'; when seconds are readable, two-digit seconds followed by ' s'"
4 h 51 min
